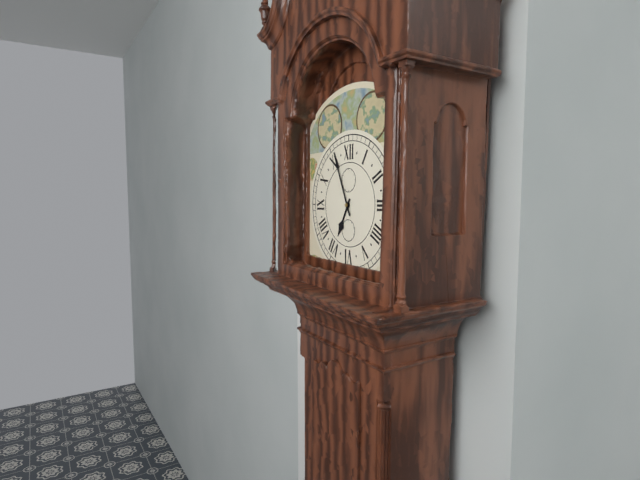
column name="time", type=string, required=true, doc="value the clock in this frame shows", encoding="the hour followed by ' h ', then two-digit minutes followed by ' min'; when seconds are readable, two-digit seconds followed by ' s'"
6 h 56 min
